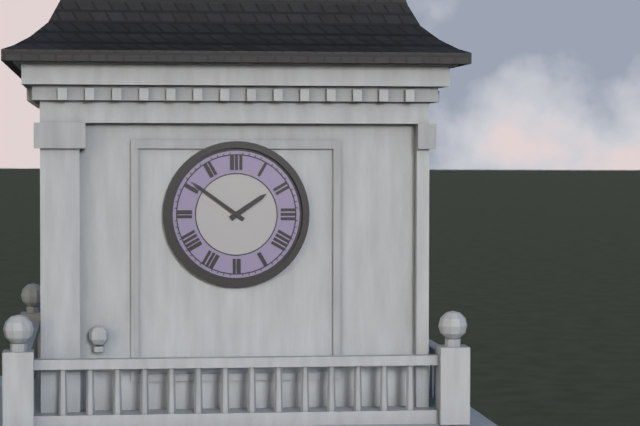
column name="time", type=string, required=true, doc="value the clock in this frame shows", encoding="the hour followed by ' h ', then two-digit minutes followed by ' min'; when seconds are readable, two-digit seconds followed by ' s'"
1 h 51 min
